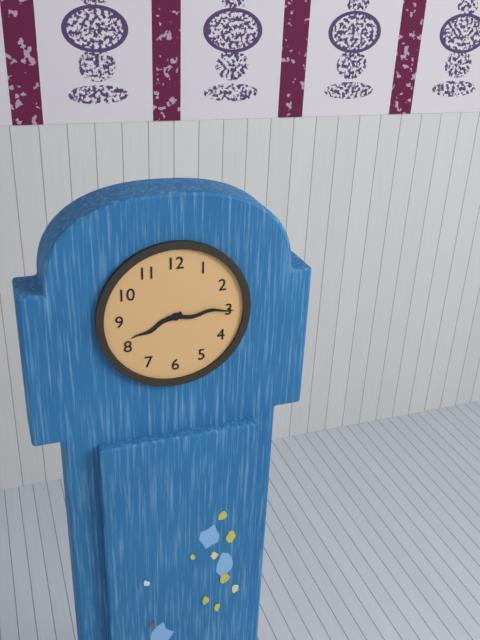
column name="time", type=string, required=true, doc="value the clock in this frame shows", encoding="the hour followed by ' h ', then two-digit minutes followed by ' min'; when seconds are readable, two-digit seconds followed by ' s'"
8 h 15 min
